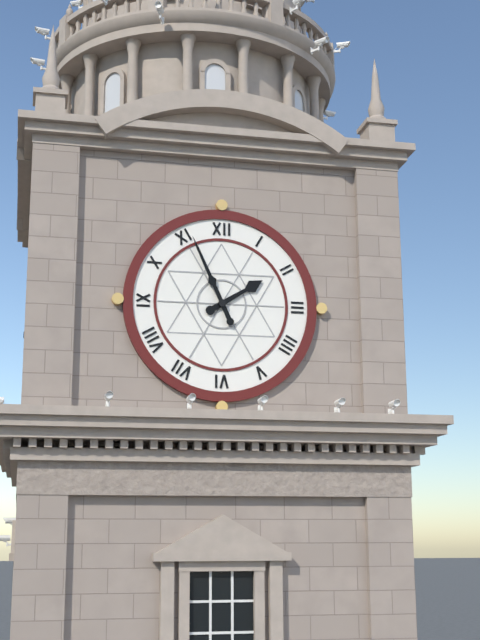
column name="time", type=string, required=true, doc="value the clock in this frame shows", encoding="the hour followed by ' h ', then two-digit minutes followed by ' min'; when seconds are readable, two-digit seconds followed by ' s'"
1 h 56 min
